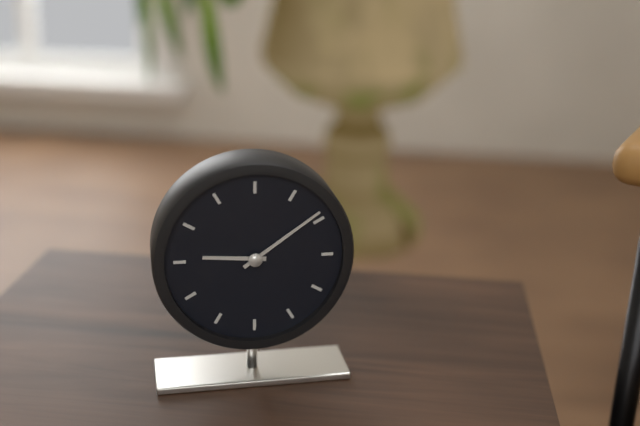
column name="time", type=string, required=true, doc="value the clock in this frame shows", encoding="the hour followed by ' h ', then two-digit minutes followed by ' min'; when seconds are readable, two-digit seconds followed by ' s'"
9 h 09 min
